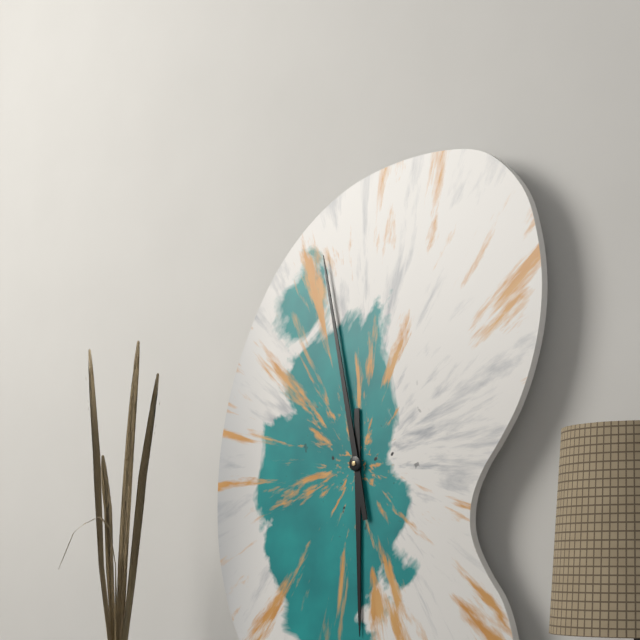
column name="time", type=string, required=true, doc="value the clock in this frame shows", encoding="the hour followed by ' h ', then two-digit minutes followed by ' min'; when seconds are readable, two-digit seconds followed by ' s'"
5 h 58 min
